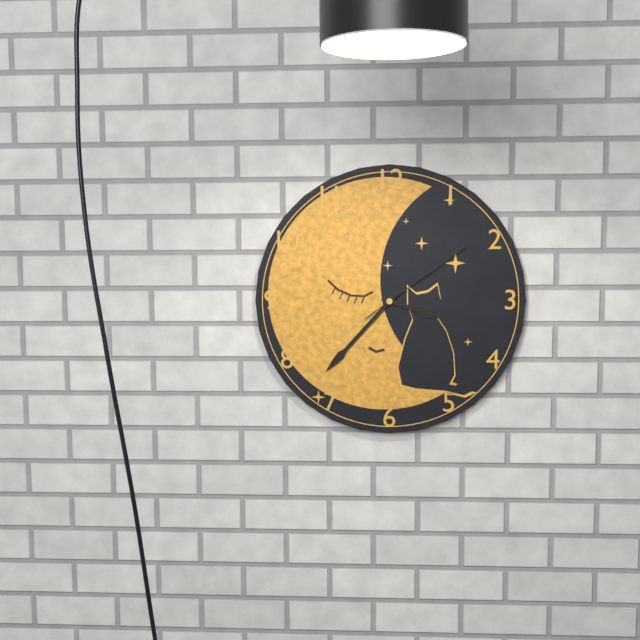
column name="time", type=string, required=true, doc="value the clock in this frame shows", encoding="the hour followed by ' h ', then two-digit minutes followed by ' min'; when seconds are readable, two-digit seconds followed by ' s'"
3 h 37 min 09 s
